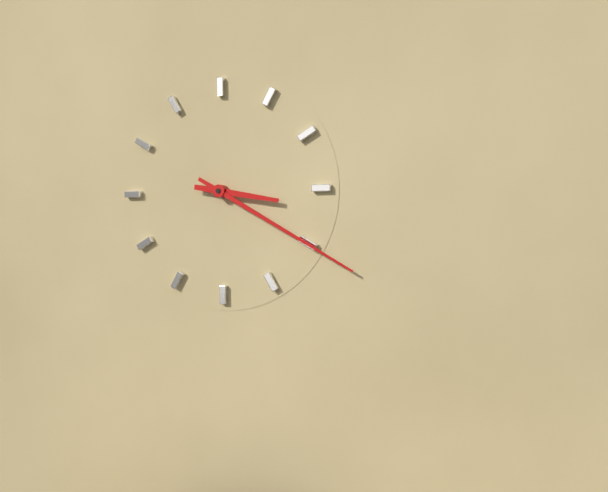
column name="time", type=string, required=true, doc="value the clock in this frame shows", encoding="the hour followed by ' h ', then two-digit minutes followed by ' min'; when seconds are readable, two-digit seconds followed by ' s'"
3 h 20 min
